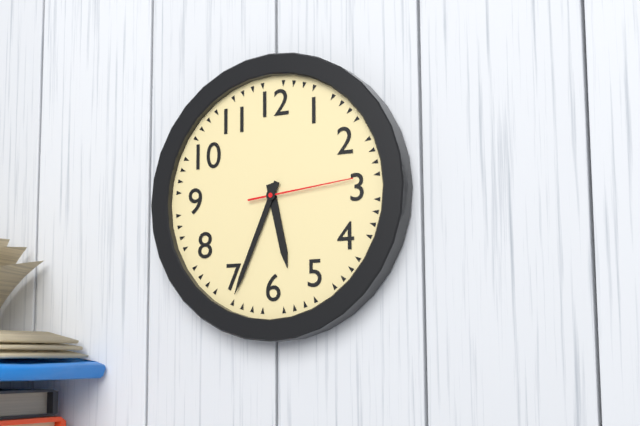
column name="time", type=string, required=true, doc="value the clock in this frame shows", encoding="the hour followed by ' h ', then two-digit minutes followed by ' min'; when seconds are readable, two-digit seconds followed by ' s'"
5 h 34 min 14 s
